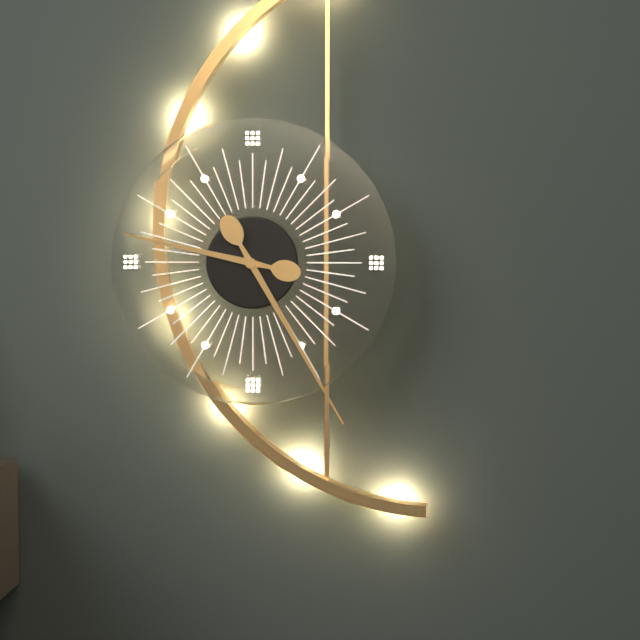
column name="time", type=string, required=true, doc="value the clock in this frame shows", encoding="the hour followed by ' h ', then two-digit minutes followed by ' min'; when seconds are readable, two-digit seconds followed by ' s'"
9 h 25 min
